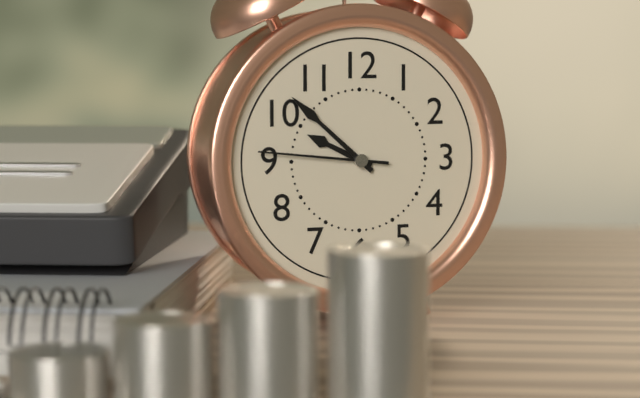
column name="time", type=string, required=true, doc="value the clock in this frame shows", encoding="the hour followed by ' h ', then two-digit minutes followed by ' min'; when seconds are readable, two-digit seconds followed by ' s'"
9 h 52 min 46 s
